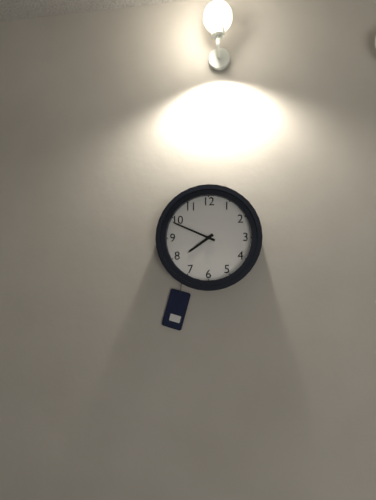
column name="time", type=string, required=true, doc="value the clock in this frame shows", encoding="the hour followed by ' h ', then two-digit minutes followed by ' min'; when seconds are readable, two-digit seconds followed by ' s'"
7 h 49 min
